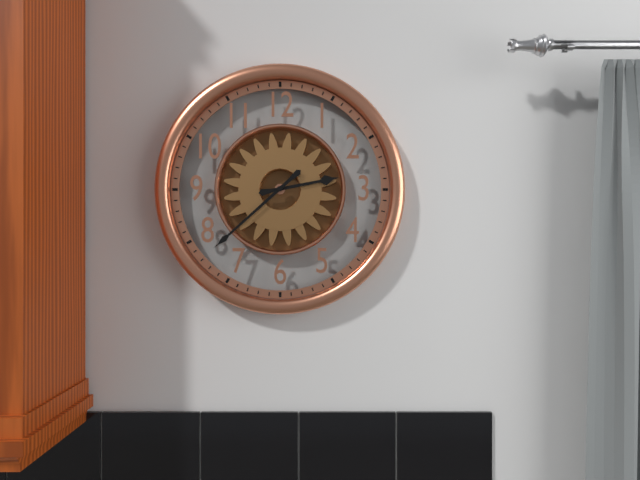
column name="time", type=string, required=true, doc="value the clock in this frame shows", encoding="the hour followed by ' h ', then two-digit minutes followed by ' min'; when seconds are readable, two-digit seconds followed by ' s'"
2 h 38 min
